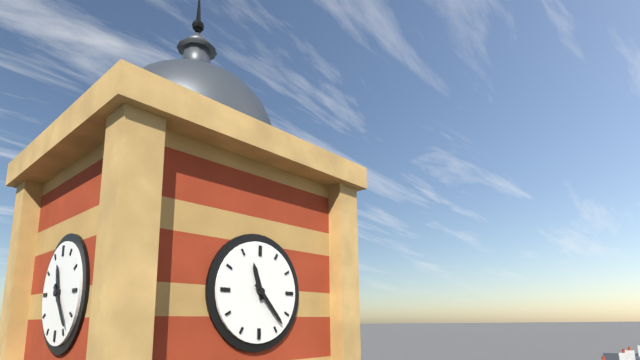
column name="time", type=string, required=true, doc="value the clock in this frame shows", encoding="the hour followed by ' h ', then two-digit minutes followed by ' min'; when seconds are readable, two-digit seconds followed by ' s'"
11 h 23 min
